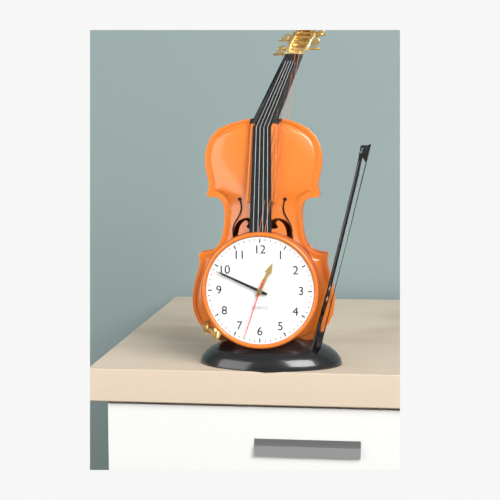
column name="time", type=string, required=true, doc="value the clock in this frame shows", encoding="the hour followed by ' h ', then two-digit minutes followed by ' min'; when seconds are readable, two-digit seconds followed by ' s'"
12 h 49 min 33 s
